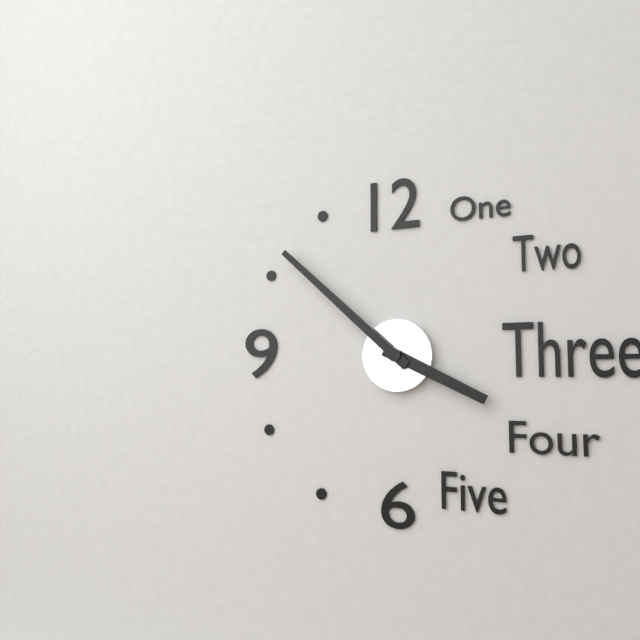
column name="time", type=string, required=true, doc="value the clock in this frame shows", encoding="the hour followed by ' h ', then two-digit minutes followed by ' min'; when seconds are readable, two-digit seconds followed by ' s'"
3 h 52 min
